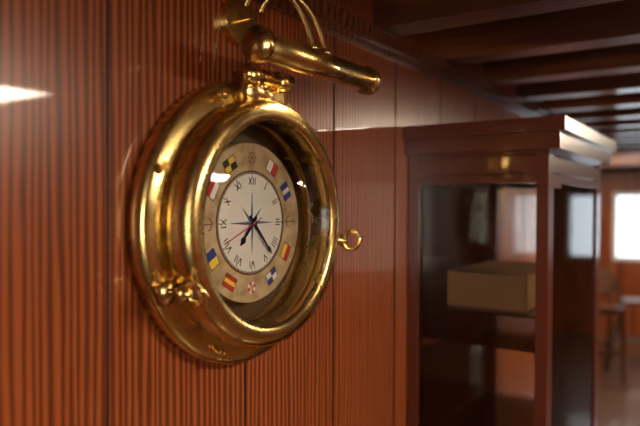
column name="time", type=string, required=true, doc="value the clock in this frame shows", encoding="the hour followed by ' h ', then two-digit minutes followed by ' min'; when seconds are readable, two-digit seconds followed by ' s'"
7 h 23 min
